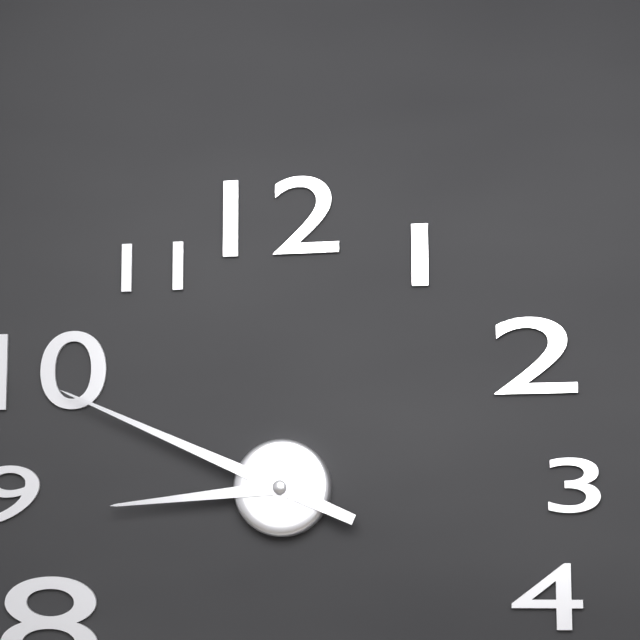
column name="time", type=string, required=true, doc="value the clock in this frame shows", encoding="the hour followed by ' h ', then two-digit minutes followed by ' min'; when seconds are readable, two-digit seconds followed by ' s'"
8 h 49 min
